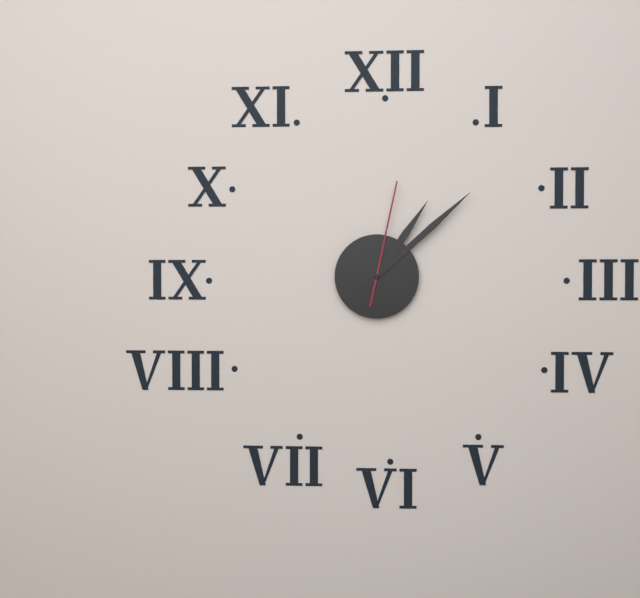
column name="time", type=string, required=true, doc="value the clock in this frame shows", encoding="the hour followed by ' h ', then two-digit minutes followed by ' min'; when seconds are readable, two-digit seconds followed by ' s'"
1 h 08 min 02 s
